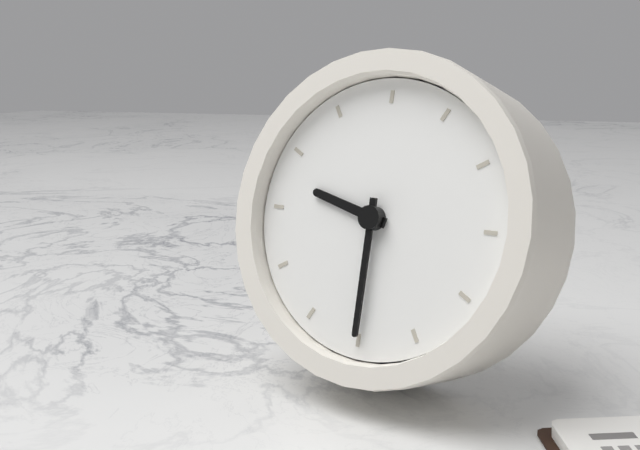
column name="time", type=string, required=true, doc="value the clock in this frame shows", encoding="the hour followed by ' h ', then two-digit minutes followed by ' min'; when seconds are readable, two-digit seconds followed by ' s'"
9 h 30 min
